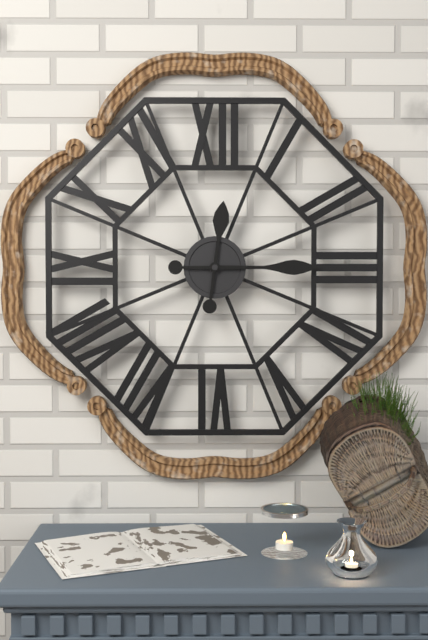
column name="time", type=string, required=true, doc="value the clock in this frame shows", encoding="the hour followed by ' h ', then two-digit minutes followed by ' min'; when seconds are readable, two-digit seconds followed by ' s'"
12 h 15 min
